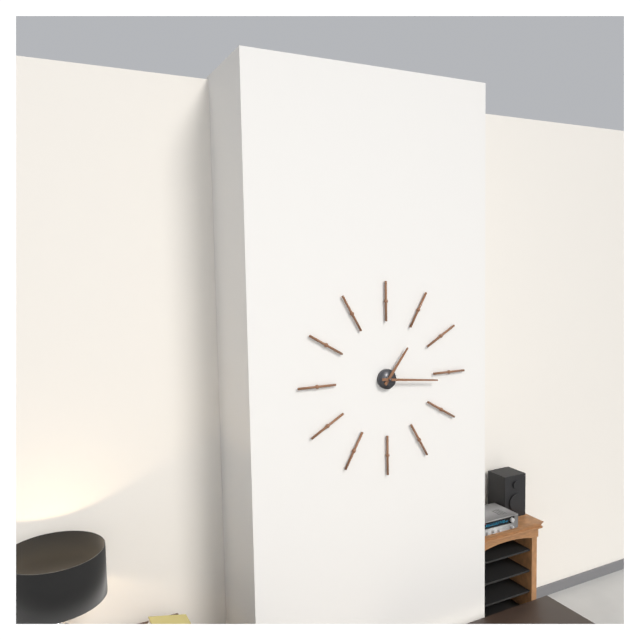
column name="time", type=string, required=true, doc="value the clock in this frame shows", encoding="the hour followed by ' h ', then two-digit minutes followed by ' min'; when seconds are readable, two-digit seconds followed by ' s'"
1 h 16 min
